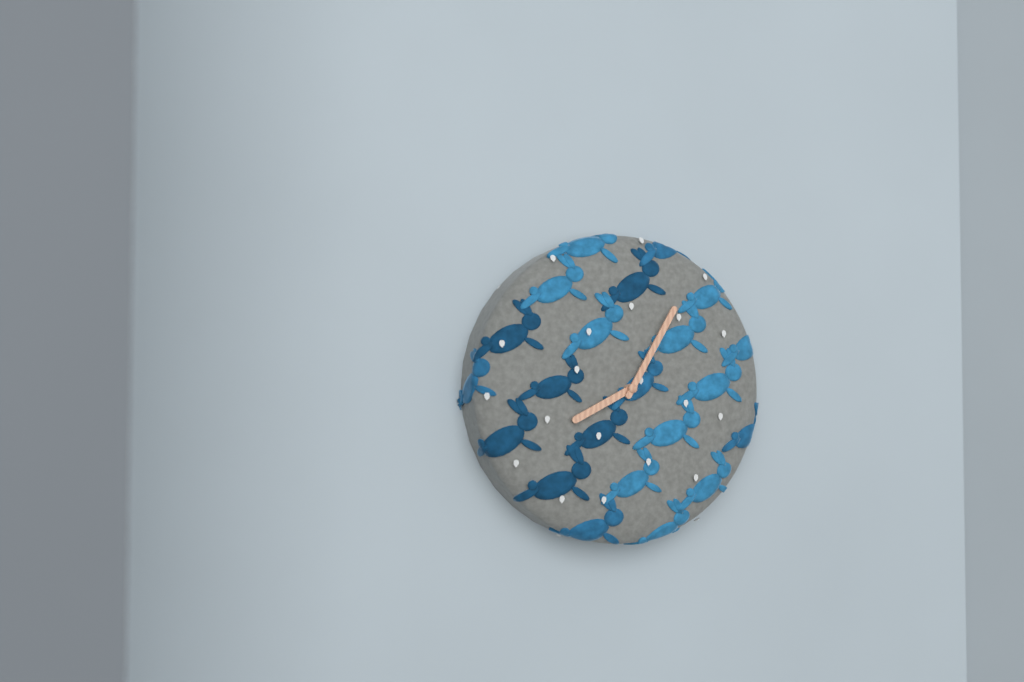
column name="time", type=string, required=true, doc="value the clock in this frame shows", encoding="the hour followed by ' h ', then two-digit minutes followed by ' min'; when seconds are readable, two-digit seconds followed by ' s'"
8 h 05 min
